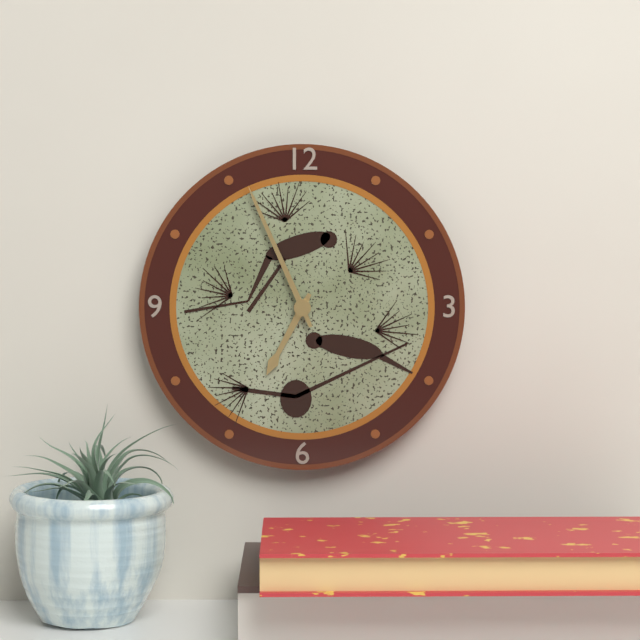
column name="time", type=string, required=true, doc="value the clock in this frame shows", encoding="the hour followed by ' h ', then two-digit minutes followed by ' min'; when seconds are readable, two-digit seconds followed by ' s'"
6 h 56 min
